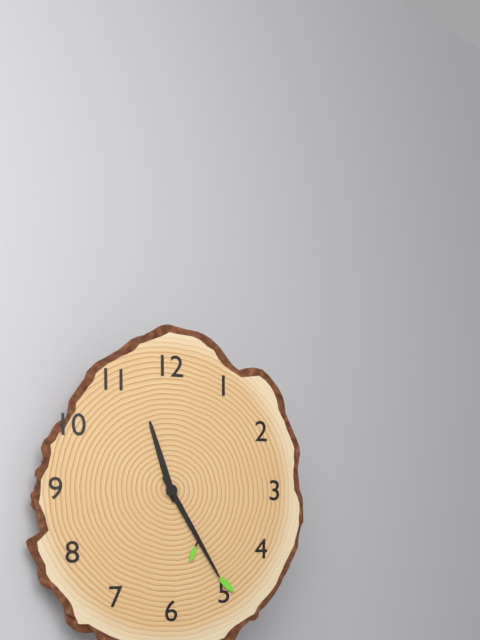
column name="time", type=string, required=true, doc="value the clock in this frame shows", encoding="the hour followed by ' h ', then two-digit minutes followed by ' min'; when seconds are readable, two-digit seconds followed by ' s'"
11 h 25 min
